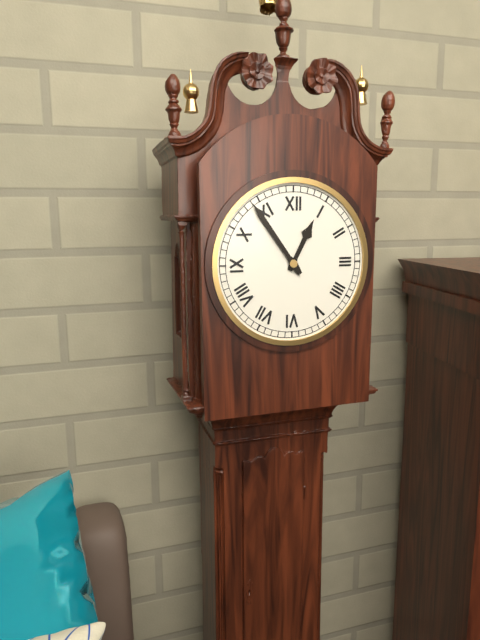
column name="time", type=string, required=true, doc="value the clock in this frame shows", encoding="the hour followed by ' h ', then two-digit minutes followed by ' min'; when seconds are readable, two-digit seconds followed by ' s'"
12 h 54 min
